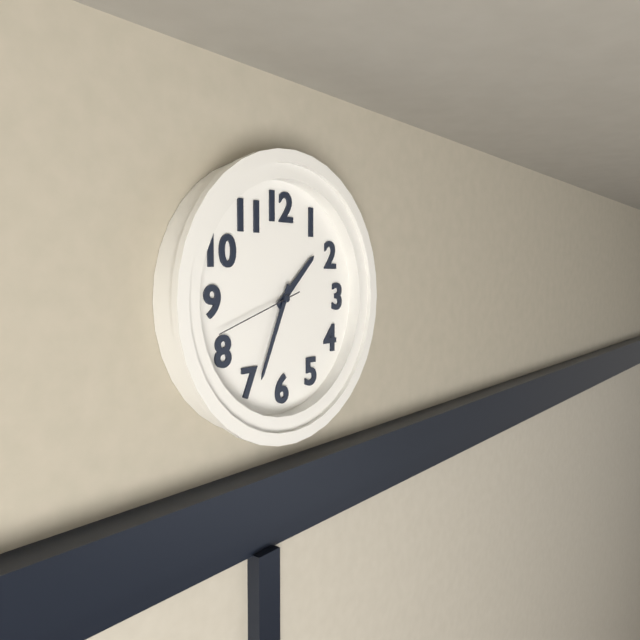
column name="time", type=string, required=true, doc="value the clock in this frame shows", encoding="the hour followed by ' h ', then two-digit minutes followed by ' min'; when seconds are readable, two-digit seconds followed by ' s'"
1 h 34 min 42 s
